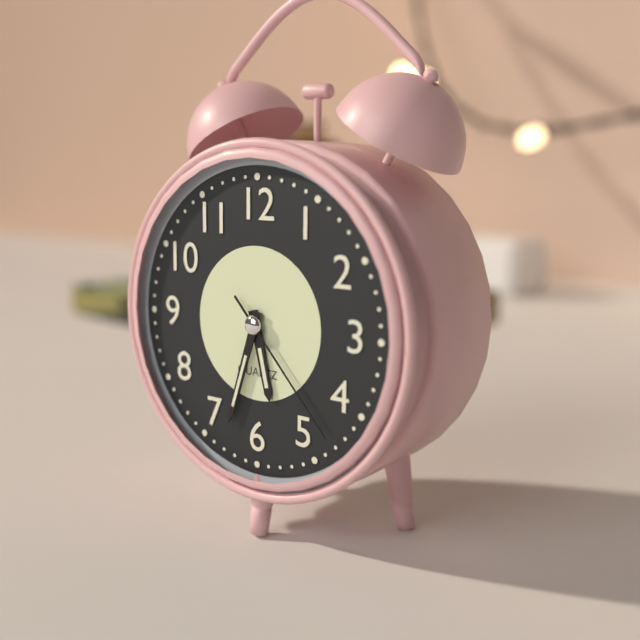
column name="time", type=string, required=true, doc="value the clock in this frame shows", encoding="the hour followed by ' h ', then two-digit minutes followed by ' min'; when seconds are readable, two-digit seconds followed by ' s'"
5 h 33 min 23 s
